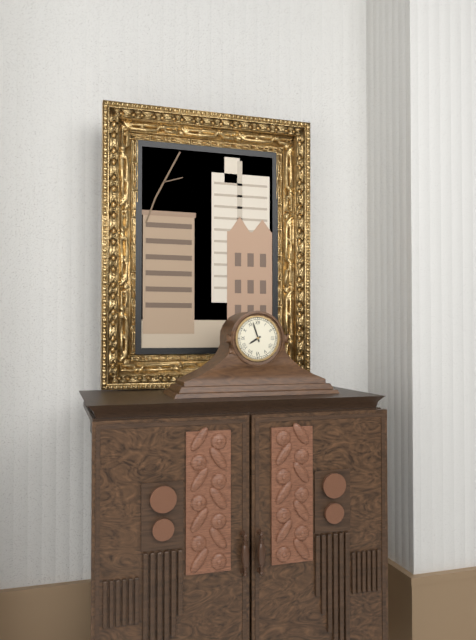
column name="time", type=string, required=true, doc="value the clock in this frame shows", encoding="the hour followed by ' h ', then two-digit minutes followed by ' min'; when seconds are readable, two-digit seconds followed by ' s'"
7 h 57 min
